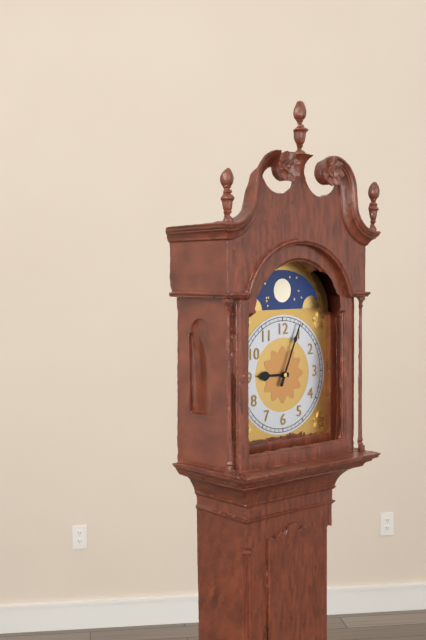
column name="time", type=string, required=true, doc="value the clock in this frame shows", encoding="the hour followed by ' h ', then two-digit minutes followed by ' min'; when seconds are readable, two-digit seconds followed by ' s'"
9 h 04 min
